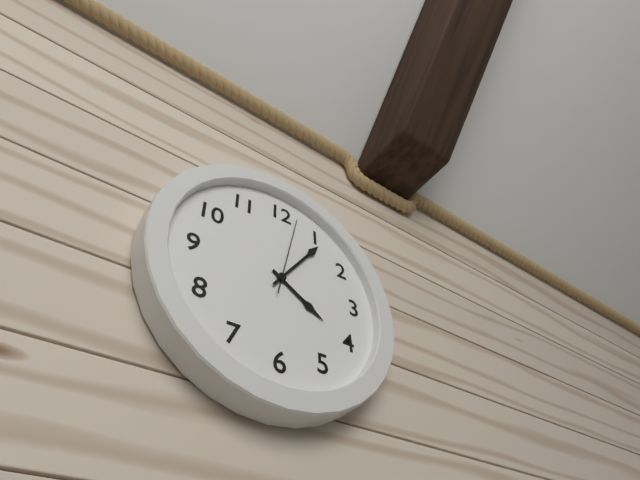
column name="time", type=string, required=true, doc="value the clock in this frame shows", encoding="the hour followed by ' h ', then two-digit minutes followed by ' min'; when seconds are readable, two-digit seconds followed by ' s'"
4 h 06 min 02 s
